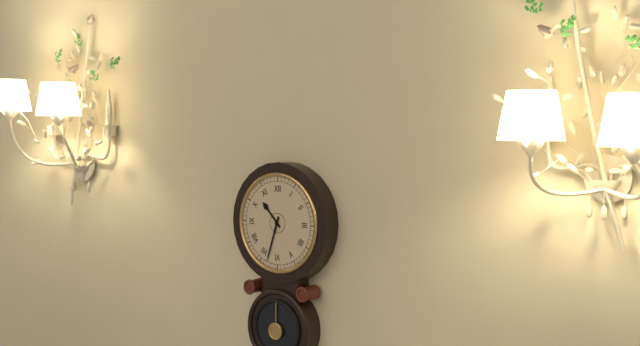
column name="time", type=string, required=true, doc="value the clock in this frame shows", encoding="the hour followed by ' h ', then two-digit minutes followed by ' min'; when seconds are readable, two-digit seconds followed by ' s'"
10 h 33 min
